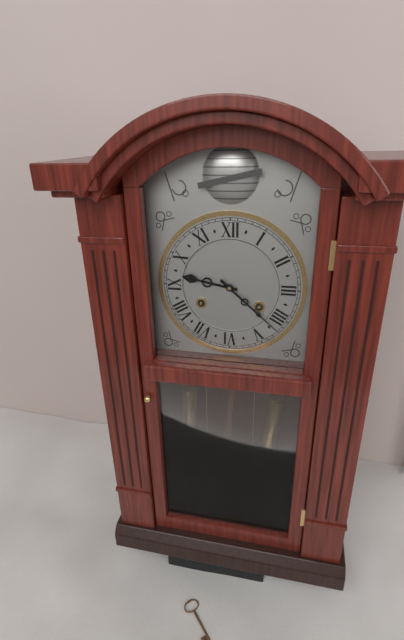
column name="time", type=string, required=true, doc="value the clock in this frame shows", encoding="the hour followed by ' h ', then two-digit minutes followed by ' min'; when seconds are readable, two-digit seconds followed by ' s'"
9 h 22 min
